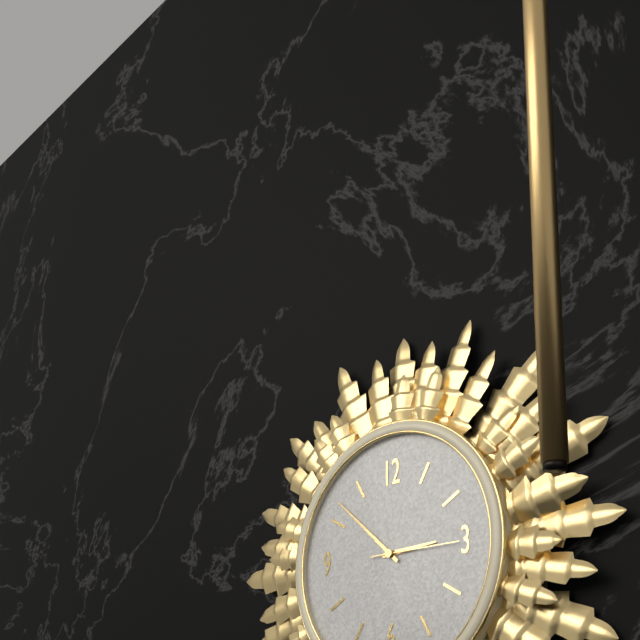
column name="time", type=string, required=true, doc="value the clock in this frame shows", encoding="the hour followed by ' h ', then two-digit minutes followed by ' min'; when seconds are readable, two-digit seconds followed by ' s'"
2 h 52 min 15 s
